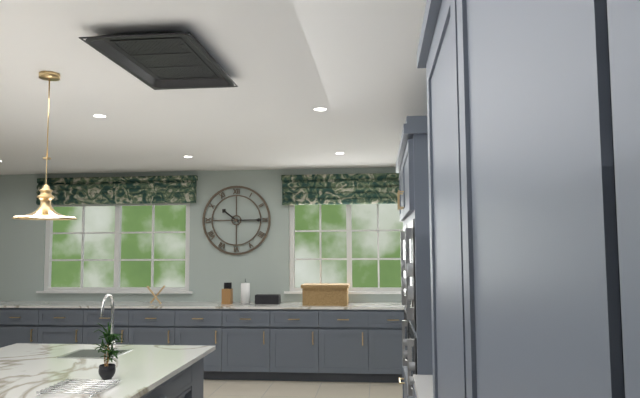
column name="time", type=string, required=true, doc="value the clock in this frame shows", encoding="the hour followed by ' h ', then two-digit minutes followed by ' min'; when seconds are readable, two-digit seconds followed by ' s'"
10 h 15 min
